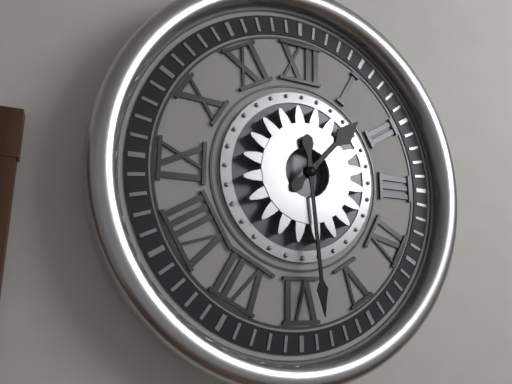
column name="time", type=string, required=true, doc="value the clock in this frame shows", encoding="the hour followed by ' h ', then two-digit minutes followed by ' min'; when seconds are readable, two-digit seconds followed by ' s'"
1 h 29 min
